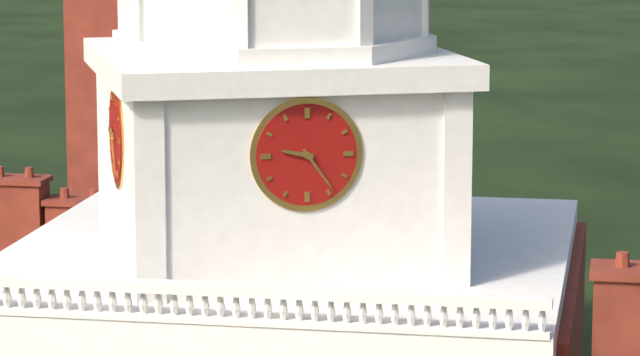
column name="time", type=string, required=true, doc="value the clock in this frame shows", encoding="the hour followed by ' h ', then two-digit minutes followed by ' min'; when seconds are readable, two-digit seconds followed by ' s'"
9 h 24 min
